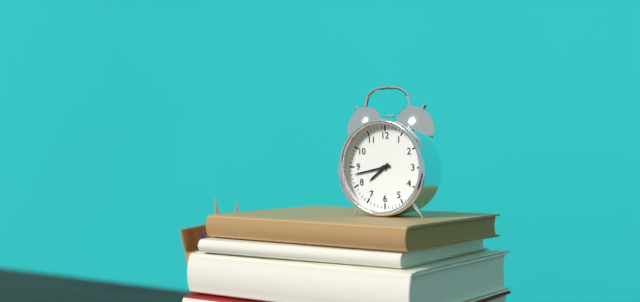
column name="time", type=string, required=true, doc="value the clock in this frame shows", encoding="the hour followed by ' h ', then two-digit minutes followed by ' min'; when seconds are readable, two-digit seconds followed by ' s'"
7 h 43 min
